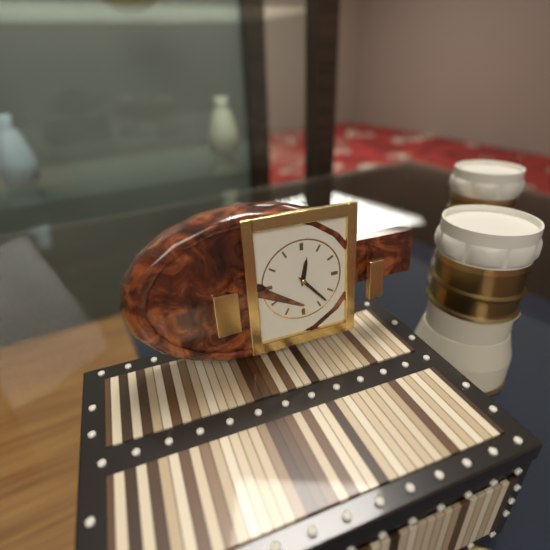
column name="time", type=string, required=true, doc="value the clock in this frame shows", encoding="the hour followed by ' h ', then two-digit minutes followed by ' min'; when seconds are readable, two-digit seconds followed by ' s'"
12 h 23 min
